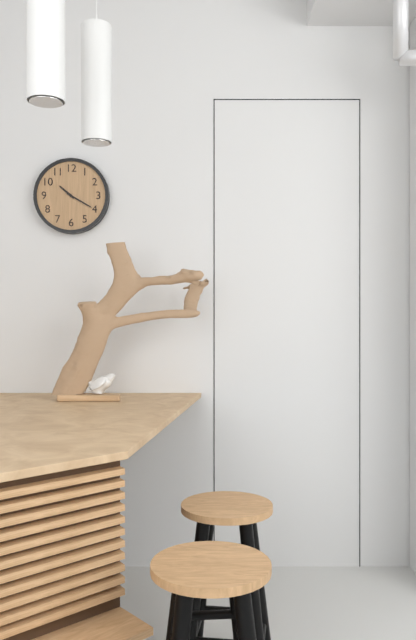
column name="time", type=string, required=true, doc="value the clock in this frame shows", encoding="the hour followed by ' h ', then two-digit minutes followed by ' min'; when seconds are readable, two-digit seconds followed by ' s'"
10 h 20 min
